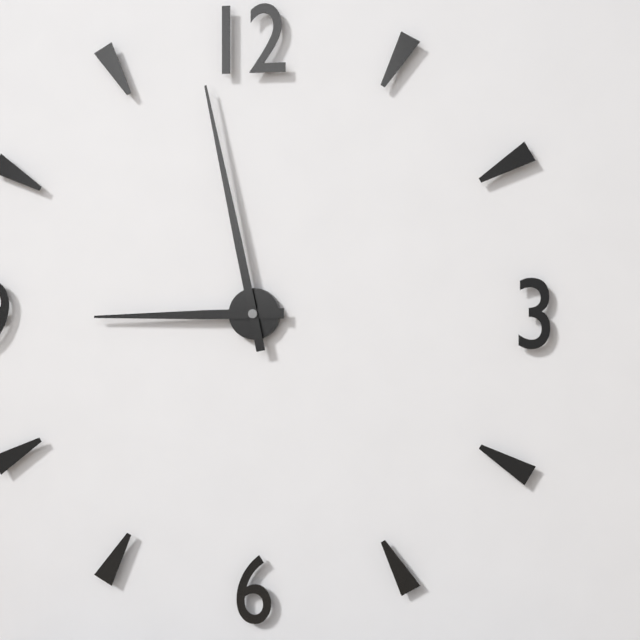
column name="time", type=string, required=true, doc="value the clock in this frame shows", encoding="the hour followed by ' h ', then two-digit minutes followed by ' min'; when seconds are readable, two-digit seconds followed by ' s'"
8 h 58 min
